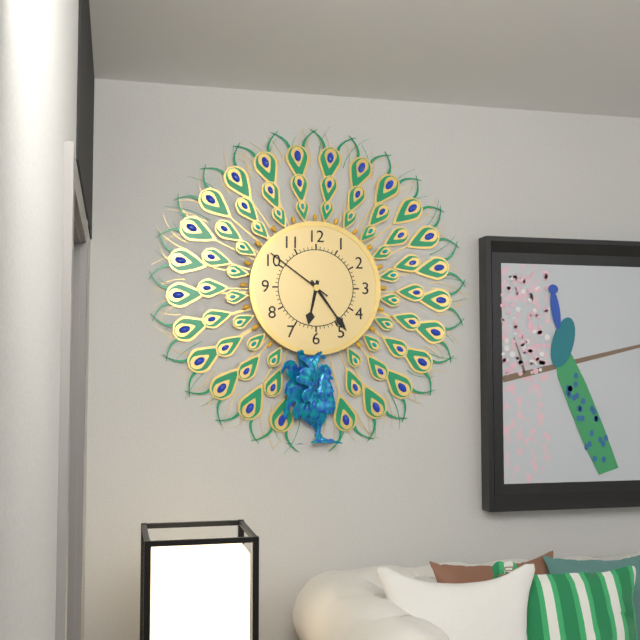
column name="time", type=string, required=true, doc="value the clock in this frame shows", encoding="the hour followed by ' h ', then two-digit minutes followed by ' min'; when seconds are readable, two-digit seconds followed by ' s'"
6 h 24 min 51 s
